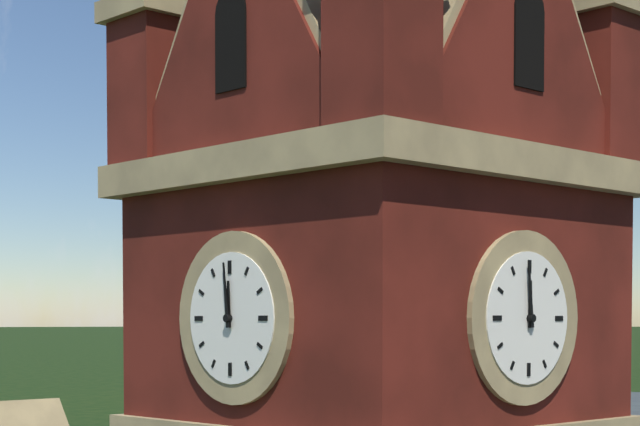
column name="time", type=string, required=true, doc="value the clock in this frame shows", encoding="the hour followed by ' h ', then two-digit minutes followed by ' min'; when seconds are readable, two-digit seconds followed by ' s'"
11 h 59 min
